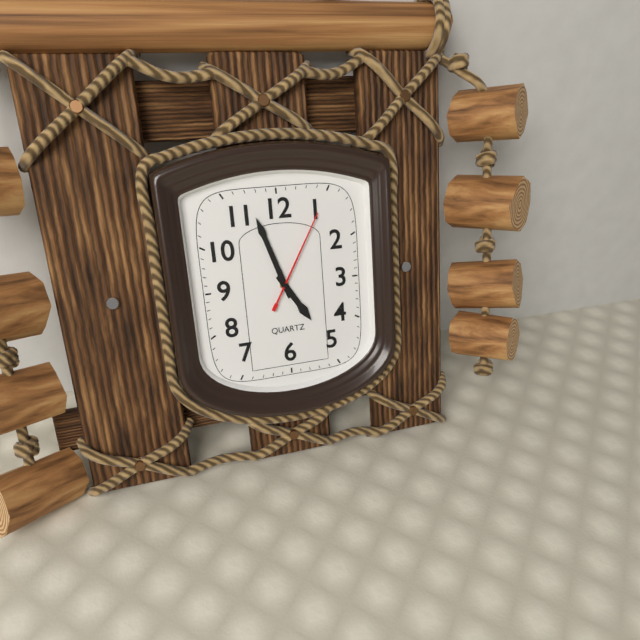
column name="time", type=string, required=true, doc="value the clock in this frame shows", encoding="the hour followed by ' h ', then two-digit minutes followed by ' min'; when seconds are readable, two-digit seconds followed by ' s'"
4 h 57 min 05 s
